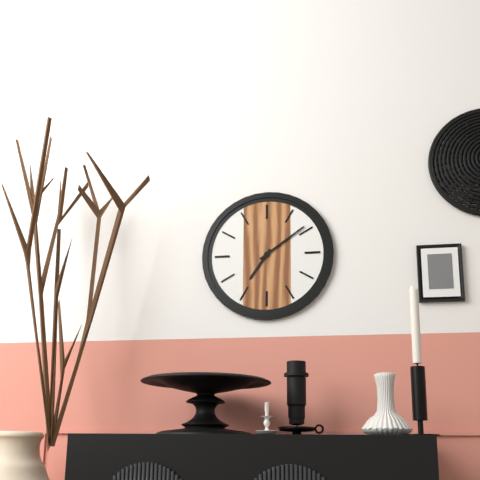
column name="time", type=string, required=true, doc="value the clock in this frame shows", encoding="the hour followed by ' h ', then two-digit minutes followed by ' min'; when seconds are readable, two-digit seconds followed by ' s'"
7 h 09 min
